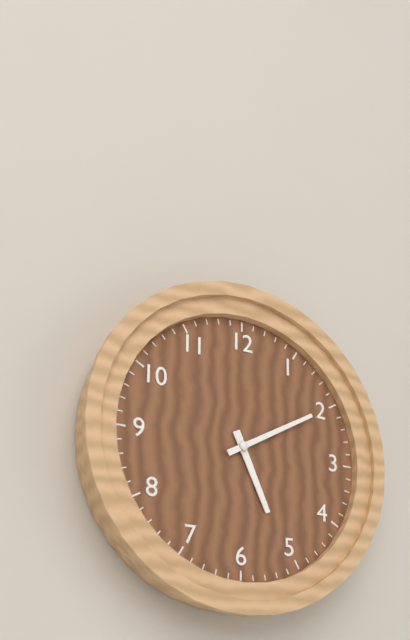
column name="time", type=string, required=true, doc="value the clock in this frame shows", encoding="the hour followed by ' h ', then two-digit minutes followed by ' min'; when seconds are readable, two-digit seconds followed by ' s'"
5 h 10 min
